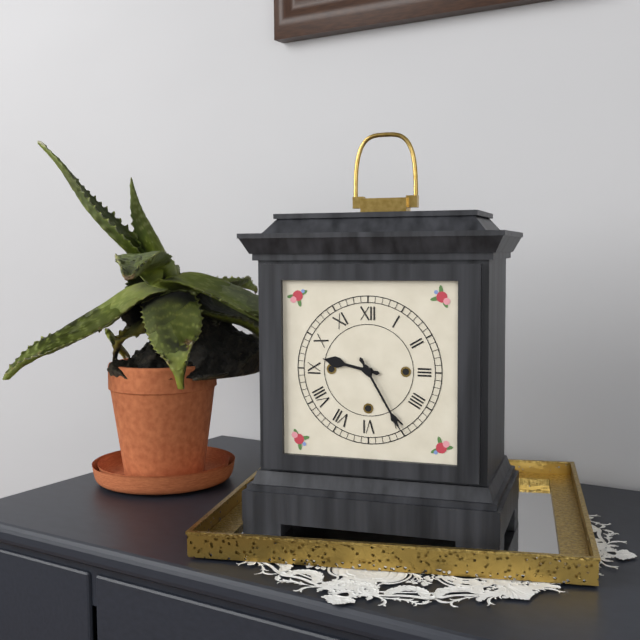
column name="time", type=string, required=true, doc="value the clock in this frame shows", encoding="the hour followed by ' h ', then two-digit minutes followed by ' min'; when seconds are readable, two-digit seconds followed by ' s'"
9 h 25 min
